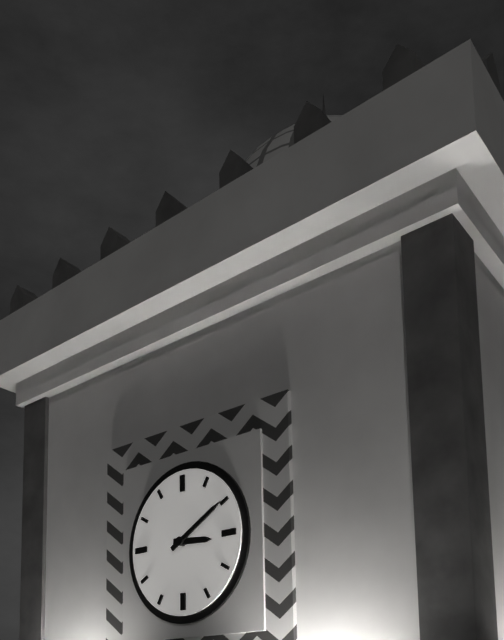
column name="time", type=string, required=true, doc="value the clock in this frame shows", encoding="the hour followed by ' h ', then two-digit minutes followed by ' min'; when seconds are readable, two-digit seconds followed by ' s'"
3 h 10 min
